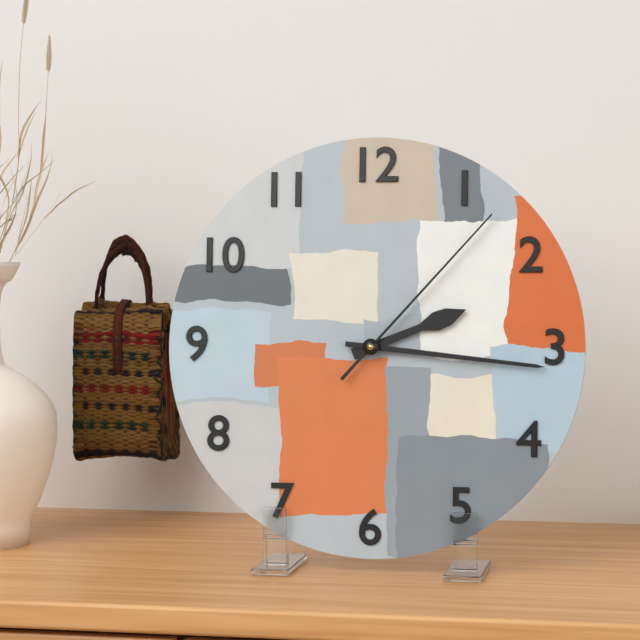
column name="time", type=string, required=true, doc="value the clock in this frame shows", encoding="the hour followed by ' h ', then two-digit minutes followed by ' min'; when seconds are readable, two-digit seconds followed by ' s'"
2 h 16 min 07 s
